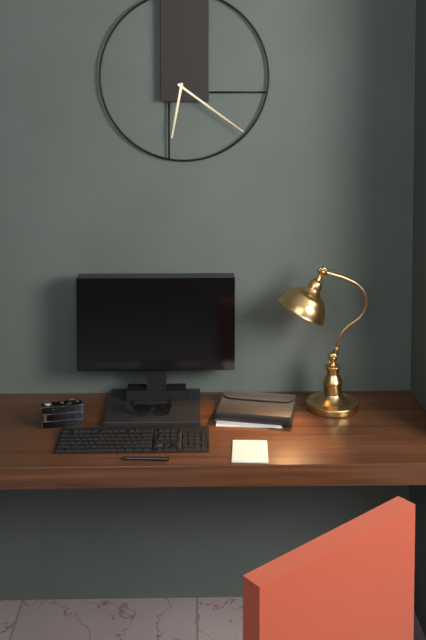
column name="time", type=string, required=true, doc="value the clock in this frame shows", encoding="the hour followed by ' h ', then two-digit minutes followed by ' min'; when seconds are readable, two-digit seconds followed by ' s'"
6 h 21 min
